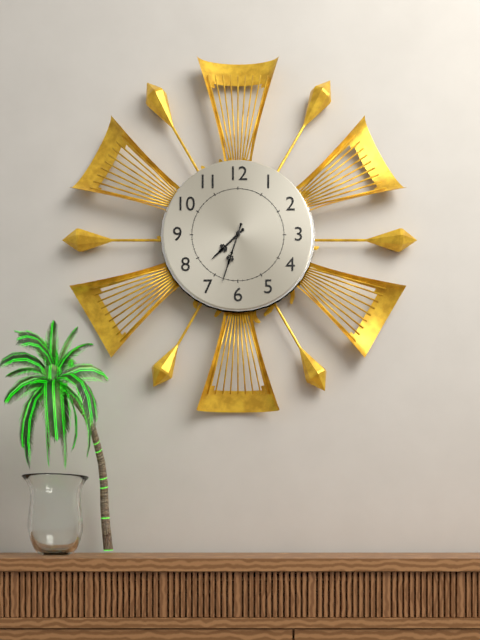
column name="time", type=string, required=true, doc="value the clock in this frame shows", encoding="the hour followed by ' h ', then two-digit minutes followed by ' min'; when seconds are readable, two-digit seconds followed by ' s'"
7 h 33 min
